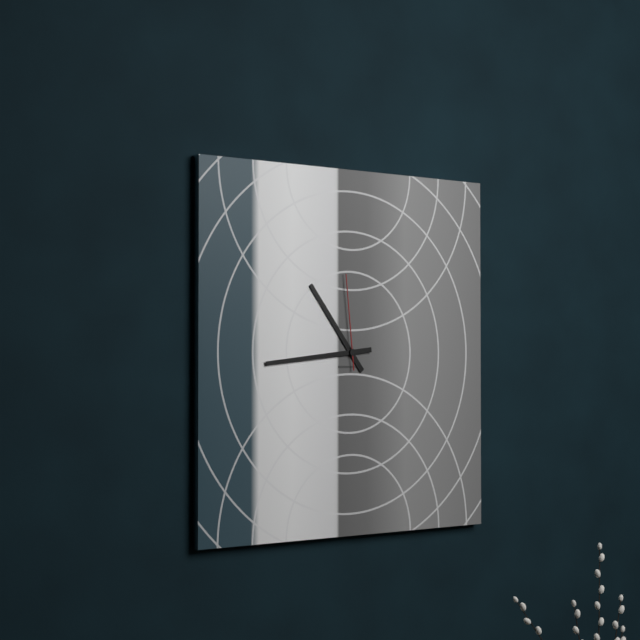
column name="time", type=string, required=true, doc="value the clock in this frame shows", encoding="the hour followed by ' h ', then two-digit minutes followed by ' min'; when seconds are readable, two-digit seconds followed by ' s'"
10 h 44 min 59 s
